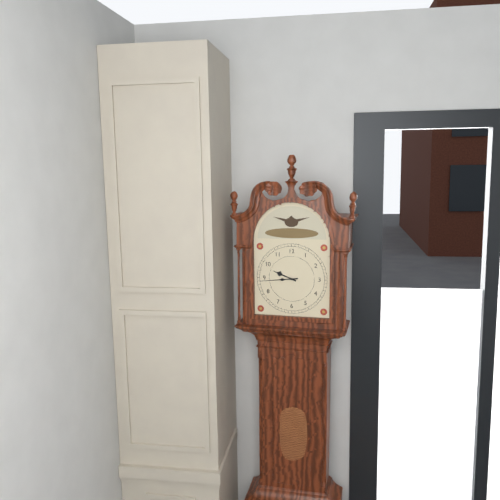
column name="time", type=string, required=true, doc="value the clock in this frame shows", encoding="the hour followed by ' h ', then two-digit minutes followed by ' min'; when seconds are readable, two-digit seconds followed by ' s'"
9 h 44 min
